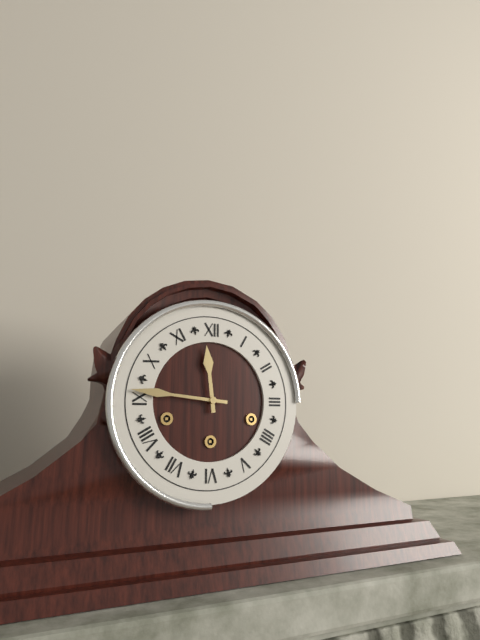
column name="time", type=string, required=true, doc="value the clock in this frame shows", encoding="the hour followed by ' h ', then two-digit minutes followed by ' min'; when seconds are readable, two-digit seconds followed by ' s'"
11 h 46 min
